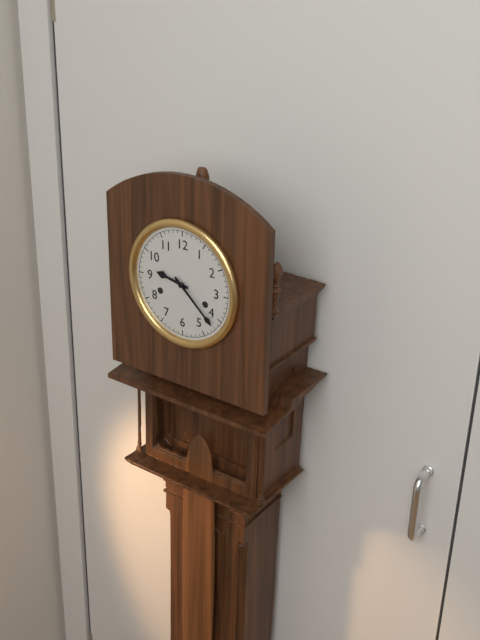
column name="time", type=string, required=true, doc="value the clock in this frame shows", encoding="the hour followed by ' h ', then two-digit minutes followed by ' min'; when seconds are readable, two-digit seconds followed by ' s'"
9 h 22 min
